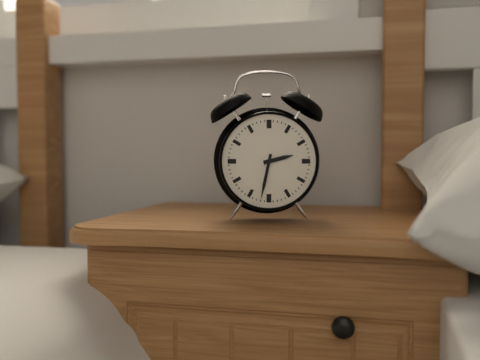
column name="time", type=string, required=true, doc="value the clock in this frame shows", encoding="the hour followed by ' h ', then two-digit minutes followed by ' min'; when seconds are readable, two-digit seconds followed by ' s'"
2 h 32 min
